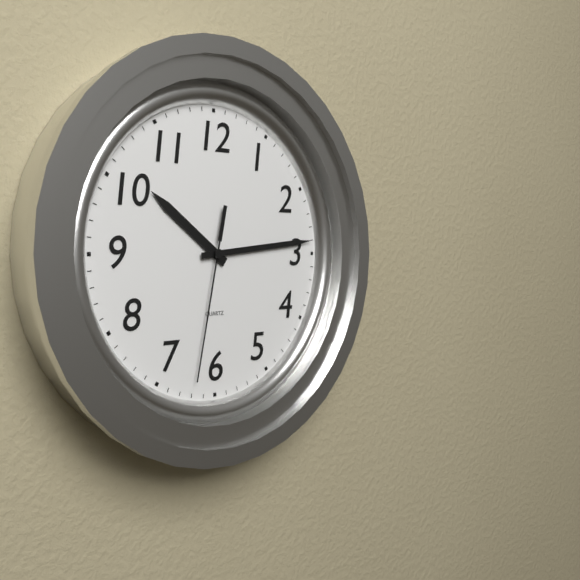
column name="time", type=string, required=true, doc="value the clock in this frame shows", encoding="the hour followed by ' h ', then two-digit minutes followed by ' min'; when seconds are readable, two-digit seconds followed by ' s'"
10 h 14 min 32 s
